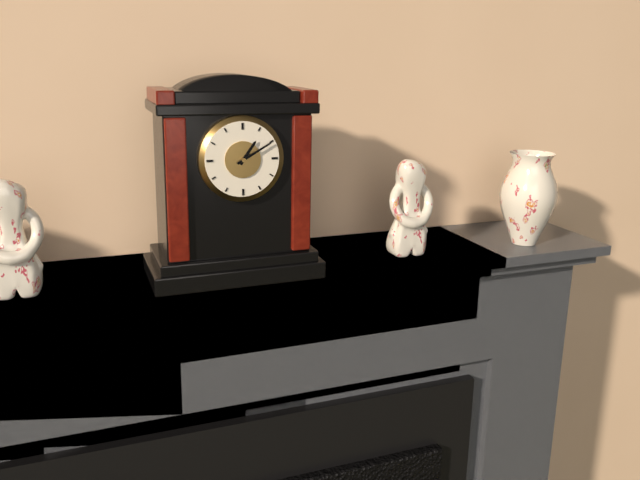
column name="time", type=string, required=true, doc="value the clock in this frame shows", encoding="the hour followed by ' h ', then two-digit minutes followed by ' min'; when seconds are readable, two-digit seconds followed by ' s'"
1 h 10 min
